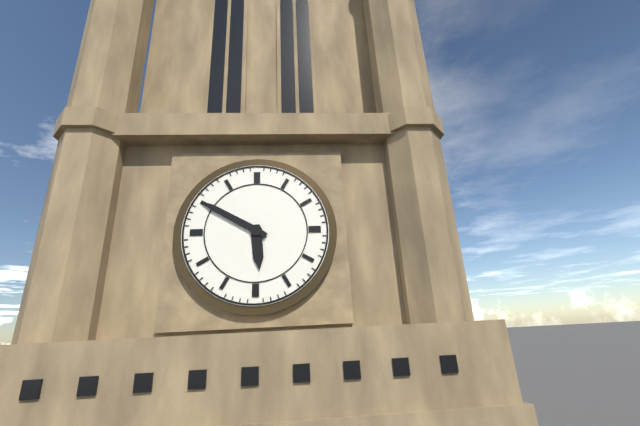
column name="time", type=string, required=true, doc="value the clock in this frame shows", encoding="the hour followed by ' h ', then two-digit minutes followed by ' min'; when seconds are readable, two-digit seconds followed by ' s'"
5 h 50 min
